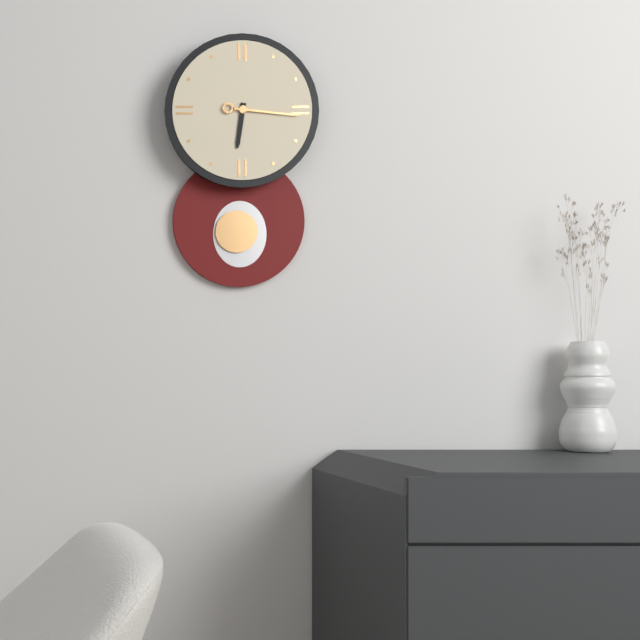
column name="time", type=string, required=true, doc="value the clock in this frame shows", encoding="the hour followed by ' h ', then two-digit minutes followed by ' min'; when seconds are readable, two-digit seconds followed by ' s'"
6 h 16 min
